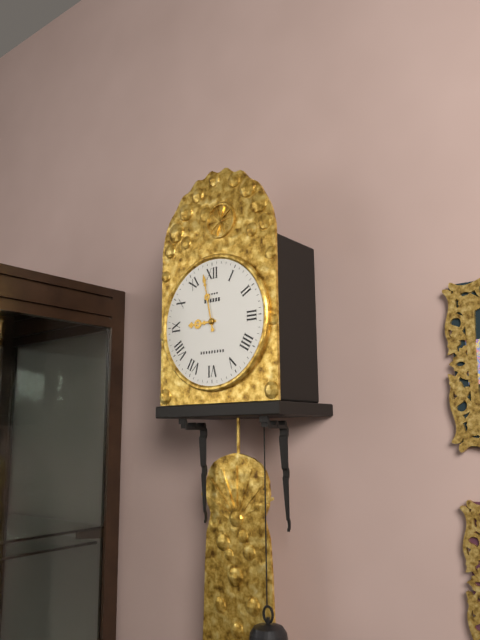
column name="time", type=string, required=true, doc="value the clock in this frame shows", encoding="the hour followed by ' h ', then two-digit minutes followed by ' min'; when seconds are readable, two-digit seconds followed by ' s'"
8 h 58 min
